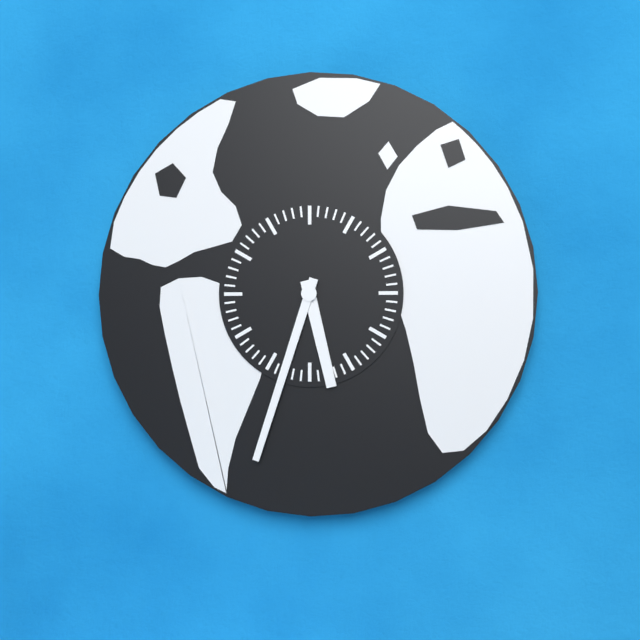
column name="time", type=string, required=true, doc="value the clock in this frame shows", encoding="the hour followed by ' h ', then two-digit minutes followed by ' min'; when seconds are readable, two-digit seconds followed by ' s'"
5 h 33 min
